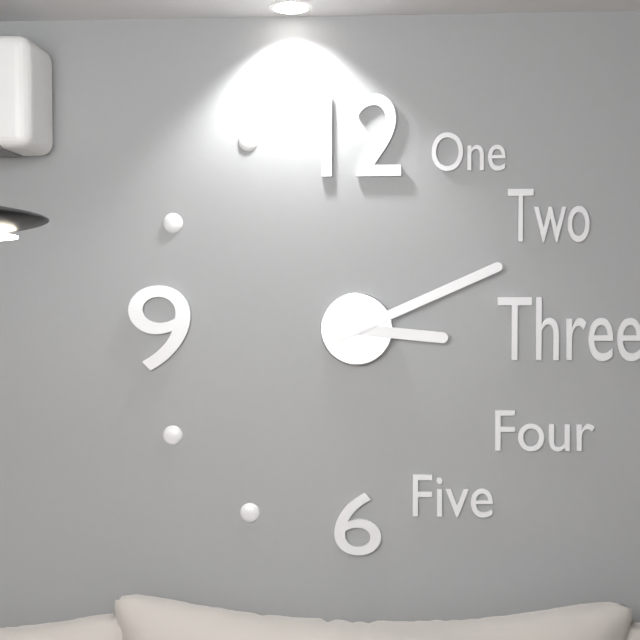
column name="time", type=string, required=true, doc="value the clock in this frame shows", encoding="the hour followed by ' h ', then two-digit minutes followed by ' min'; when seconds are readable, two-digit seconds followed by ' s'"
3 h 11 min
